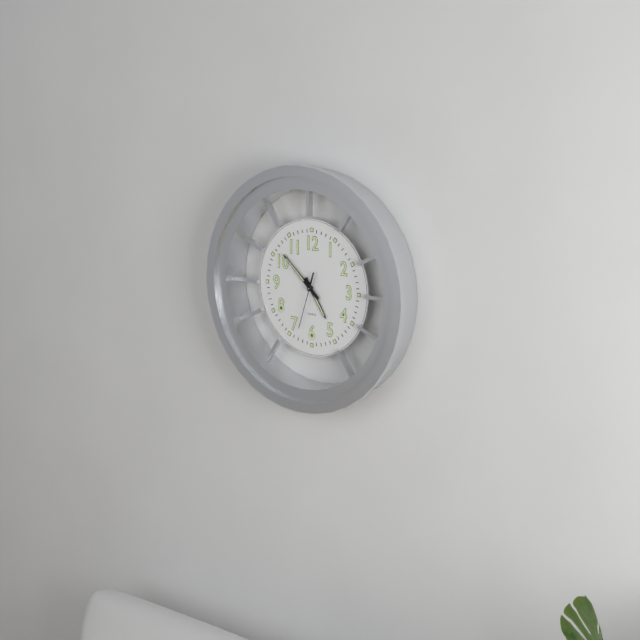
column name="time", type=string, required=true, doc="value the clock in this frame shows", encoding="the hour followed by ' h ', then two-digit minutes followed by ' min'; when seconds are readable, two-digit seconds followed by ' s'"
4 h 52 min 33 s
